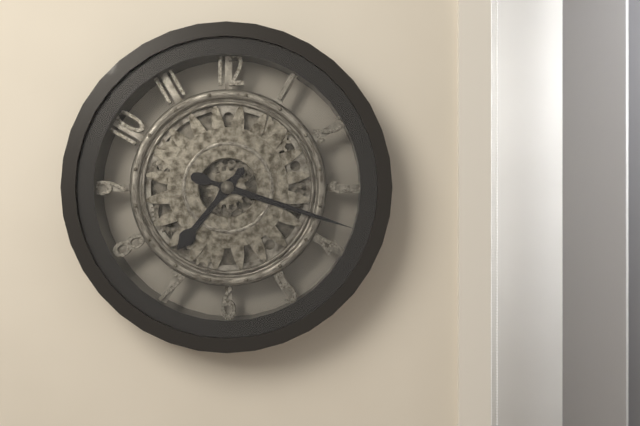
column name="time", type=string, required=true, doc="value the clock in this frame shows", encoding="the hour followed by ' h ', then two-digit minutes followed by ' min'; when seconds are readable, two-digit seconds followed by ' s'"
7 h 18 min
